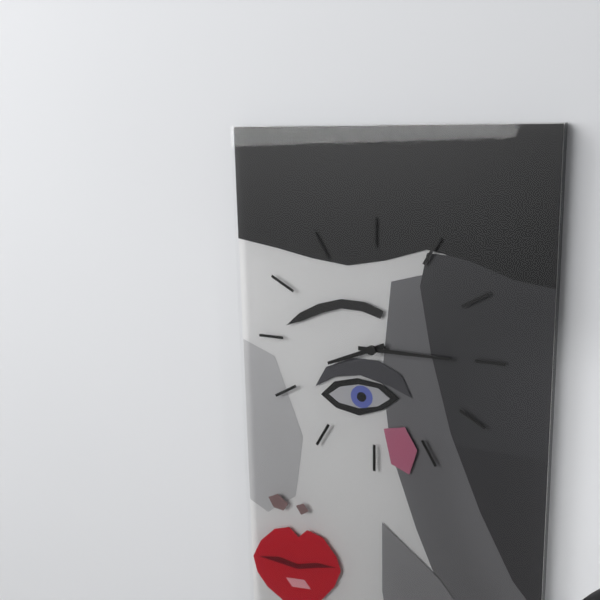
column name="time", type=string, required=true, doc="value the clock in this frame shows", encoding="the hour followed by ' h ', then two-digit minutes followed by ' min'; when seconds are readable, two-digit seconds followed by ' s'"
8 h 15 min
